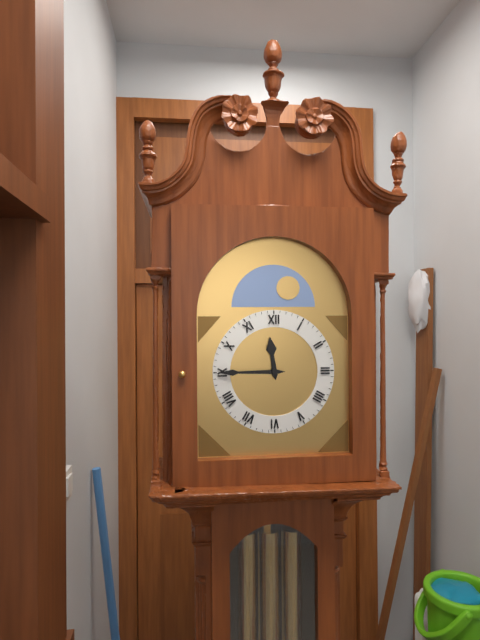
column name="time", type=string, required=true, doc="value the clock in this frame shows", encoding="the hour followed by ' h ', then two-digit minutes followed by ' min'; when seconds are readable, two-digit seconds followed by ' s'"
11 h 45 min
